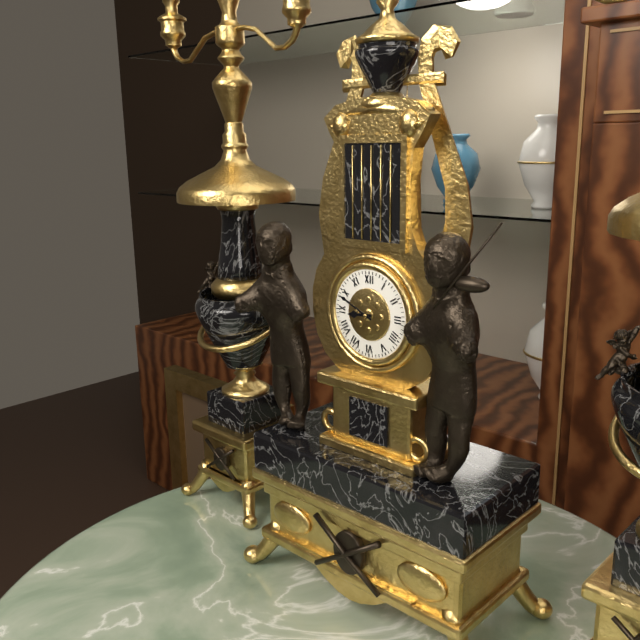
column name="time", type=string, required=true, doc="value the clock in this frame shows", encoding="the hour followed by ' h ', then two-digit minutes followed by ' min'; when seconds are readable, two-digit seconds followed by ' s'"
8 h 49 min
